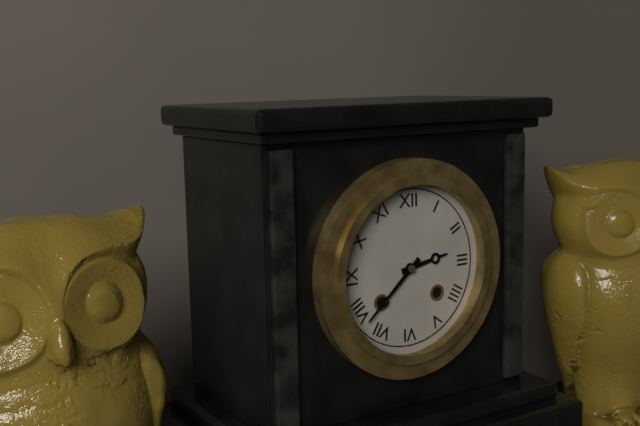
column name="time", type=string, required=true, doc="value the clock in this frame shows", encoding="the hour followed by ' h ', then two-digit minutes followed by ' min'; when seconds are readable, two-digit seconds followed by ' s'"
2 h 38 min
